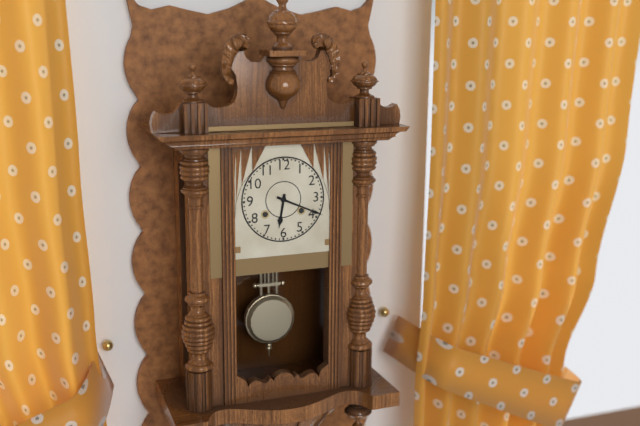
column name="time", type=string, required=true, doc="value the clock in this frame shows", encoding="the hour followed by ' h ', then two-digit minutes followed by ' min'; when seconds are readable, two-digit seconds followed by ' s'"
6 h 19 min
